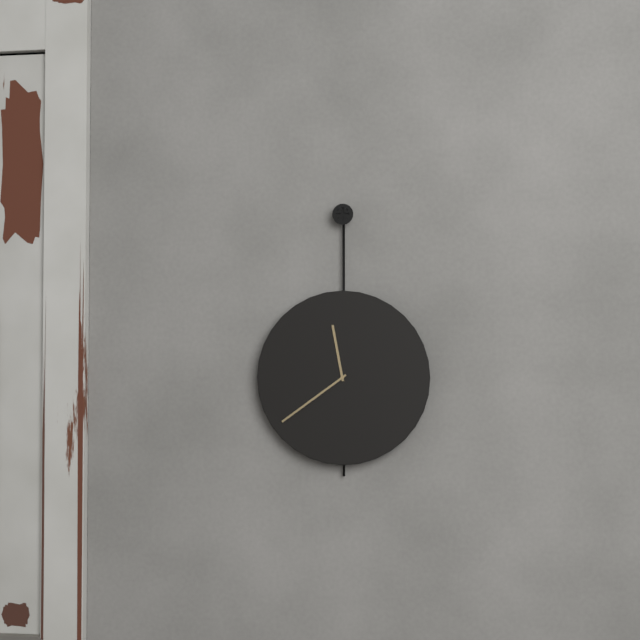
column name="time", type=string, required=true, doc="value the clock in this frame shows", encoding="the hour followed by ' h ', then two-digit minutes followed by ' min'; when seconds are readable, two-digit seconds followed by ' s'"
11 h 39 min
